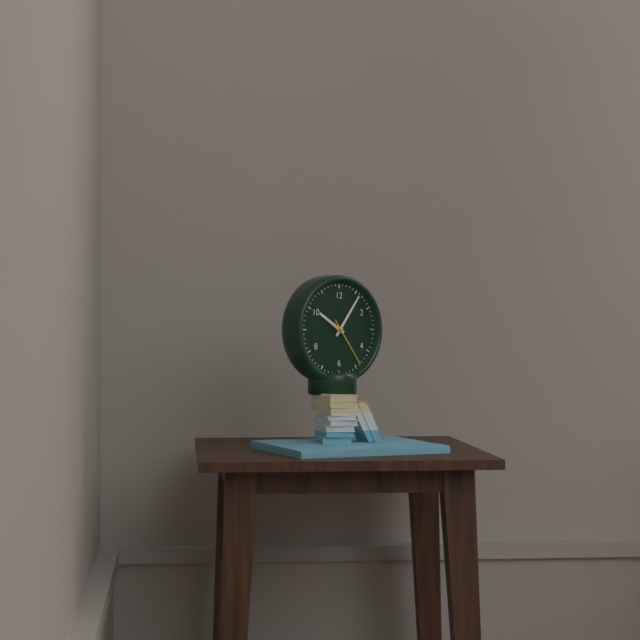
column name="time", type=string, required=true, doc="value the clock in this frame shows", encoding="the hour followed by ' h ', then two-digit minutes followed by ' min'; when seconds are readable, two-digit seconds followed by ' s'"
10 h 06 min 24 s
